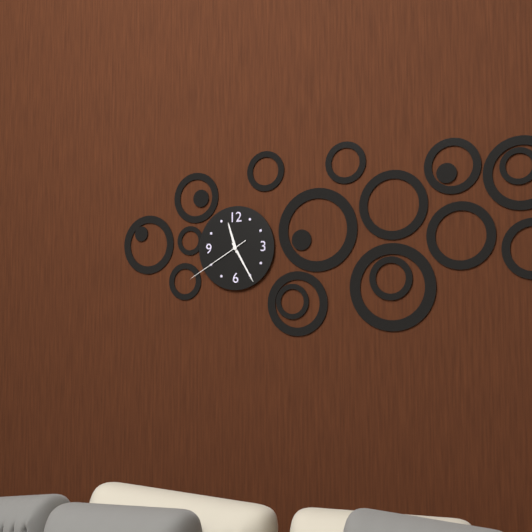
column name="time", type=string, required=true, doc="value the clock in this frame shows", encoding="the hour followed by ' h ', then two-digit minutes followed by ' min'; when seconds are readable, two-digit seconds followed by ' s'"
11 h 25 min 40 s
